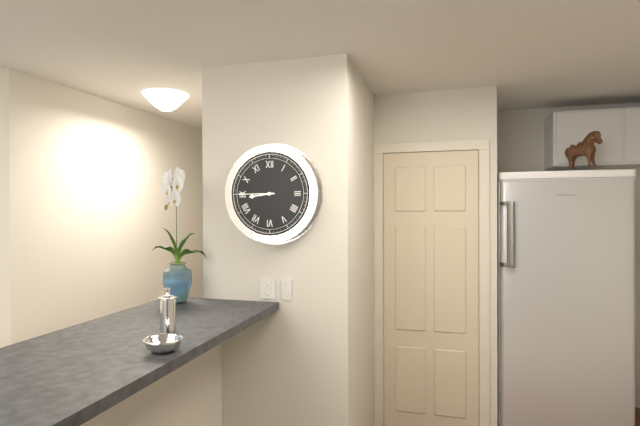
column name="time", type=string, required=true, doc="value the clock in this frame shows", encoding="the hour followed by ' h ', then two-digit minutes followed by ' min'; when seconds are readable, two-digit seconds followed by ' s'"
8 h 45 min
